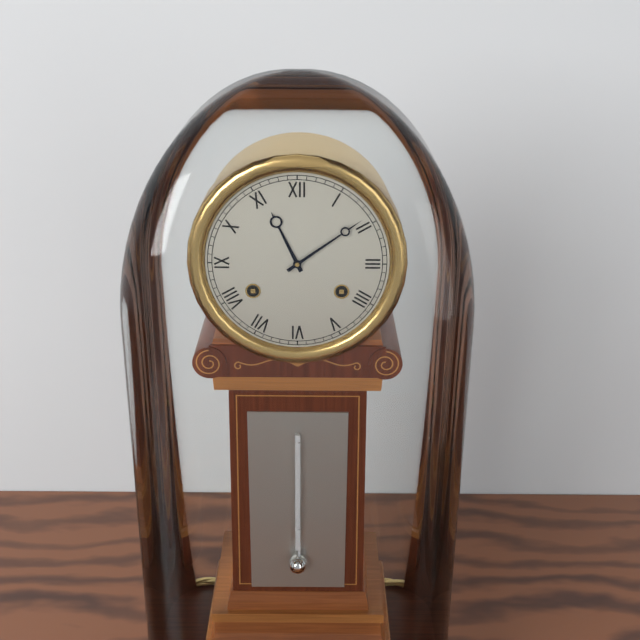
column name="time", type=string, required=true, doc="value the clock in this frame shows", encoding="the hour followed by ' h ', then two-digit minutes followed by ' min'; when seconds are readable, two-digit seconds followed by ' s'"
11 h 09 min
